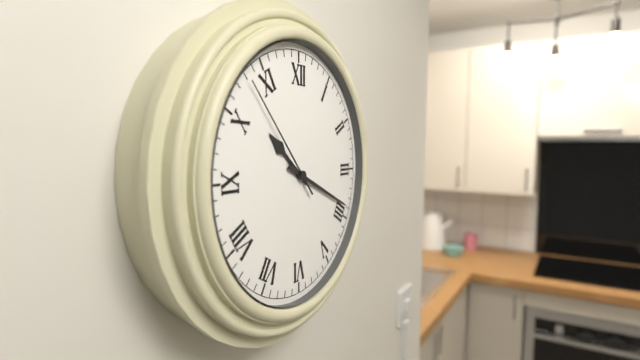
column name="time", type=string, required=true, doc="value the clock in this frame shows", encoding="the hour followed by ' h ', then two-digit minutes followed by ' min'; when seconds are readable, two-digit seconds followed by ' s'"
10 h 19 min 53 s
